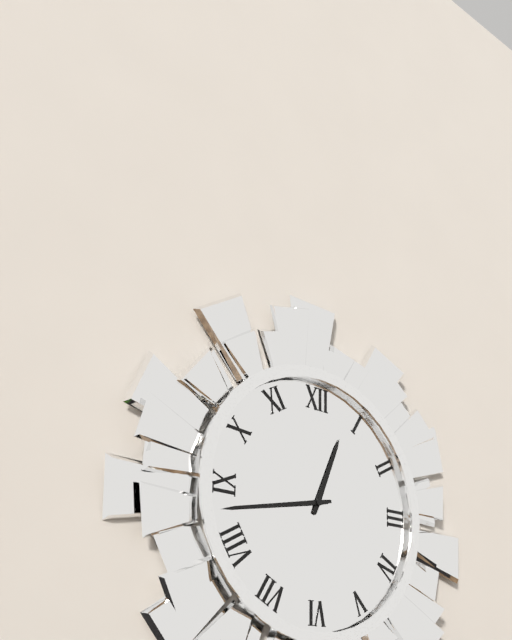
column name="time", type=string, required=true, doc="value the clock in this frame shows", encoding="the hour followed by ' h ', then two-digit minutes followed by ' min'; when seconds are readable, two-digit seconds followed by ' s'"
12 h 43 min
